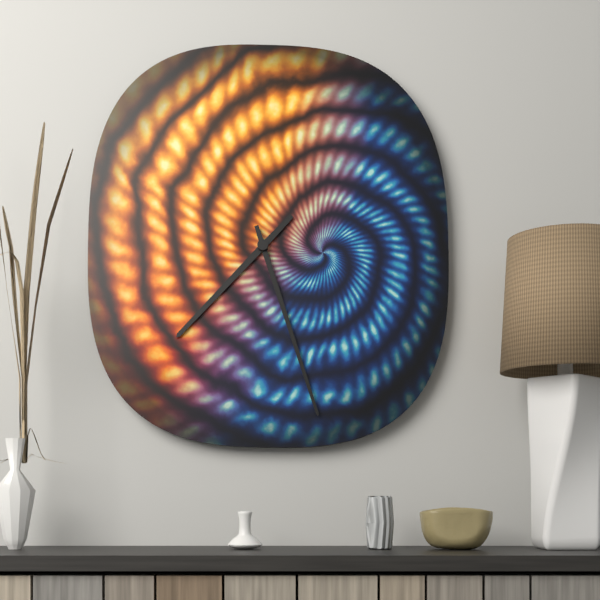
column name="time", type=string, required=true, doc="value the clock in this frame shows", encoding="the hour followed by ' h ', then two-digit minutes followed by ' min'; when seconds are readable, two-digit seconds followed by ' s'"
7 h 27 min
